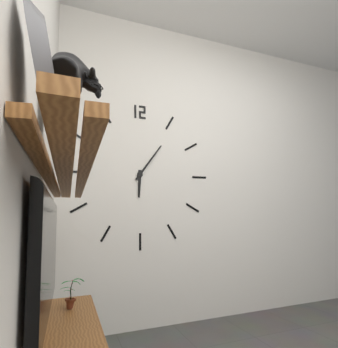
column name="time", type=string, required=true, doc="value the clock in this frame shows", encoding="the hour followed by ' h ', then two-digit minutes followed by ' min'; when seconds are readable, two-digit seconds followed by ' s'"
6 h 06 min
